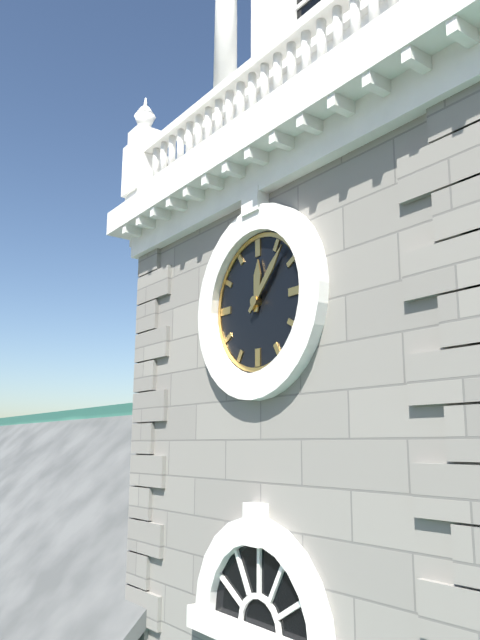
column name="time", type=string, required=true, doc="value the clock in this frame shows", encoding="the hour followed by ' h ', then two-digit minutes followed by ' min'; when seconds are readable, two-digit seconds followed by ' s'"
12 h 07 min
